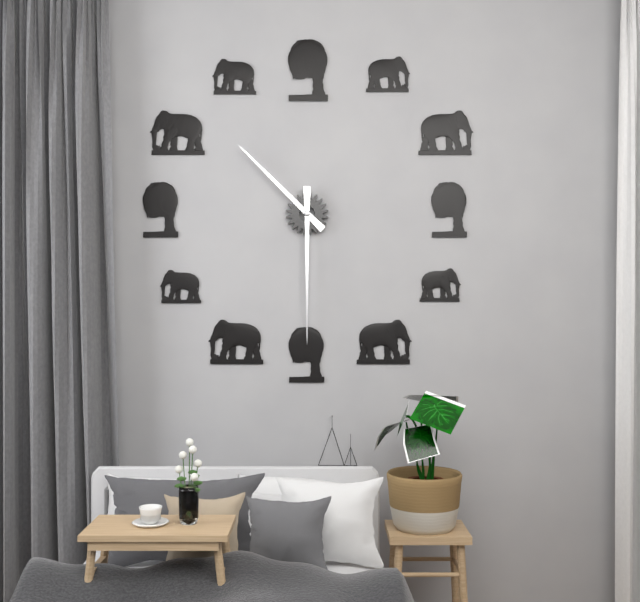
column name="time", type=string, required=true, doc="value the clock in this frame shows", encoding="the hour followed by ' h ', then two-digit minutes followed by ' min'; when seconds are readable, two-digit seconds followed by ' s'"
10 h 30 min
